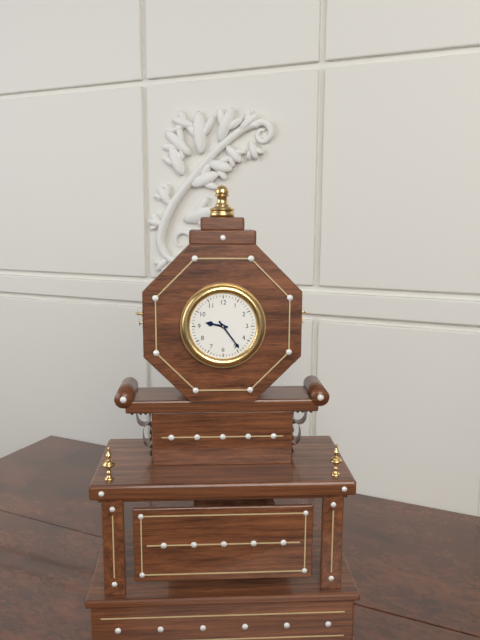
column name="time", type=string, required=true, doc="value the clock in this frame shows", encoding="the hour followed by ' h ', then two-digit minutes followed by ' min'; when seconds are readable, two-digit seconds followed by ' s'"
9 h 24 min
